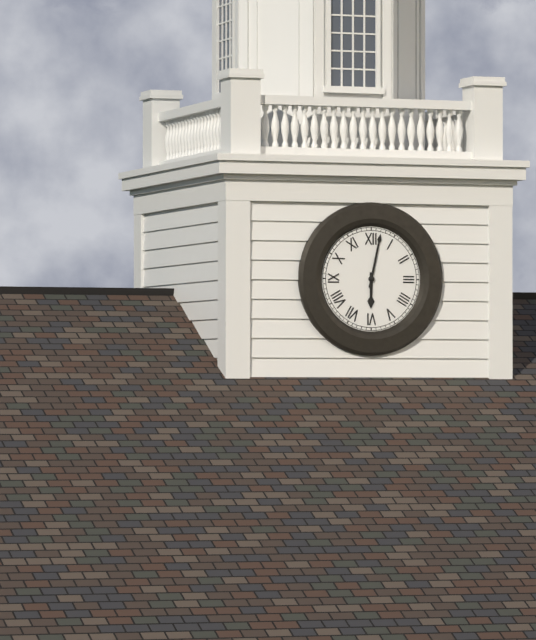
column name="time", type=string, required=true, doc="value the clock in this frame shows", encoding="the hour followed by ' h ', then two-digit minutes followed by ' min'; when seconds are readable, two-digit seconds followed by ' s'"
6 h 02 min
